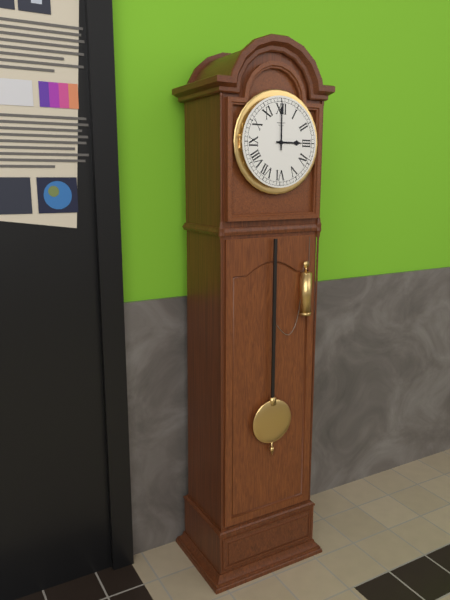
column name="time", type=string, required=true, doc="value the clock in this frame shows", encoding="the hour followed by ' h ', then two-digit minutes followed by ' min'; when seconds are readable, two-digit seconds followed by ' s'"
3 h 00 min
